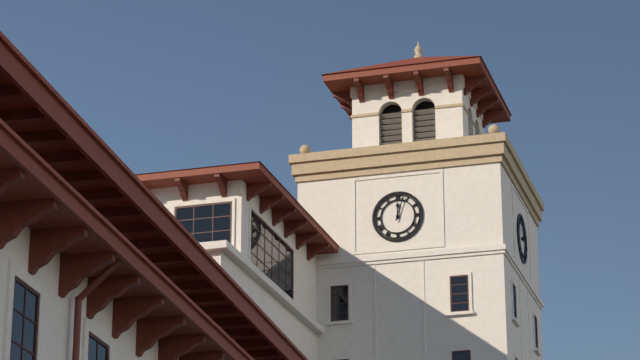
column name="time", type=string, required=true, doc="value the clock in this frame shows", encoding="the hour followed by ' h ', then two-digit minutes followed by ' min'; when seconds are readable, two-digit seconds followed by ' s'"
12 h 03 min
